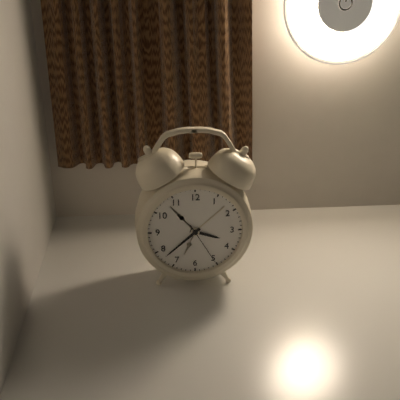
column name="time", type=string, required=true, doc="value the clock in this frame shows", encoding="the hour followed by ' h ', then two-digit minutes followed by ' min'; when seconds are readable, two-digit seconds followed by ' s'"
3 h 38 min
